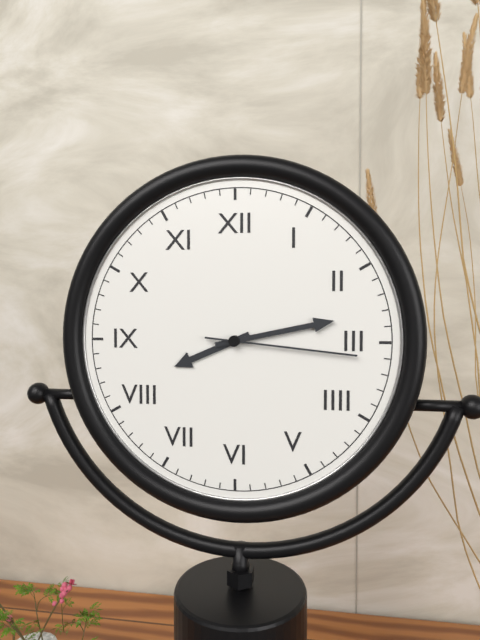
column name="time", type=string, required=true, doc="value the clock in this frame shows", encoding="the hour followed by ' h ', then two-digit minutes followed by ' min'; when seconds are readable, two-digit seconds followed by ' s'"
8 h 13 min 16 s
